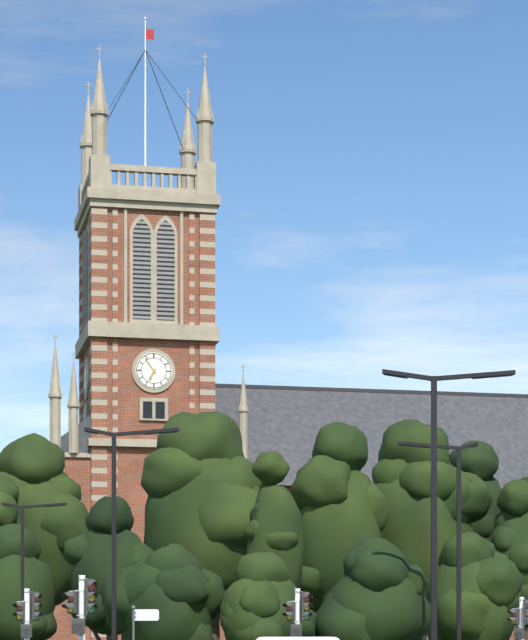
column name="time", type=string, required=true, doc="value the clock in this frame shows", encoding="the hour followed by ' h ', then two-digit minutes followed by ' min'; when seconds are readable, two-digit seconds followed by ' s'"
6 h 54 min
